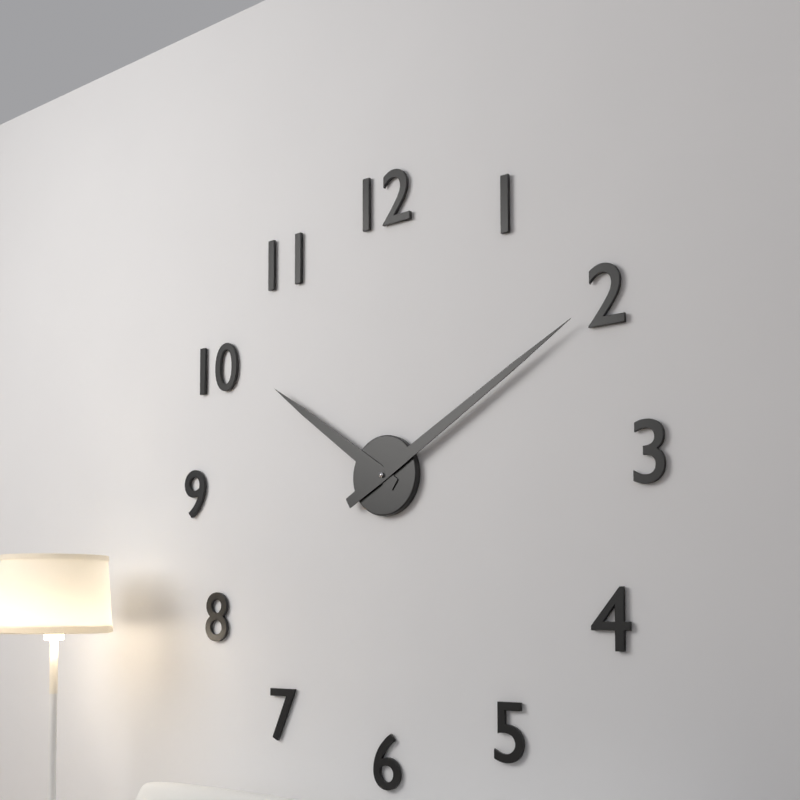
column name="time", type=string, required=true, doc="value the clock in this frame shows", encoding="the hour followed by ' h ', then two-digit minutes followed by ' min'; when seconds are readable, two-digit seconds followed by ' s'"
10 h 10 min
